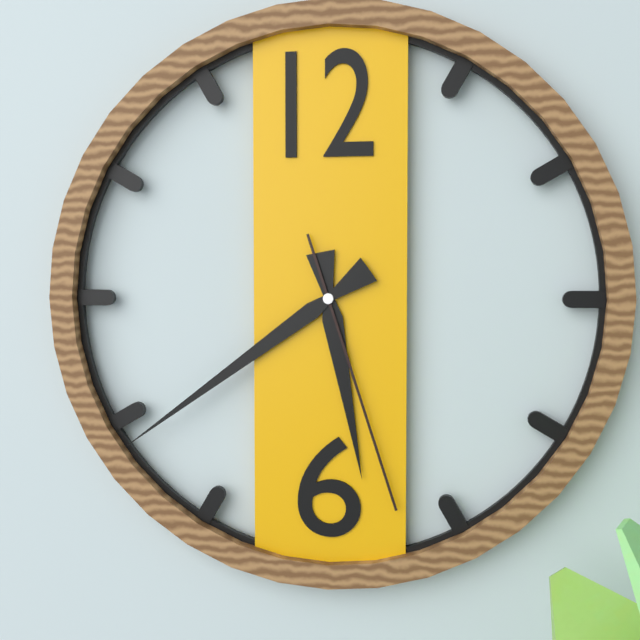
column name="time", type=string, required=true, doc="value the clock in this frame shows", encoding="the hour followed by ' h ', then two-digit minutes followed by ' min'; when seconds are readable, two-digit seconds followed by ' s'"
5 h 39 min 27 s
